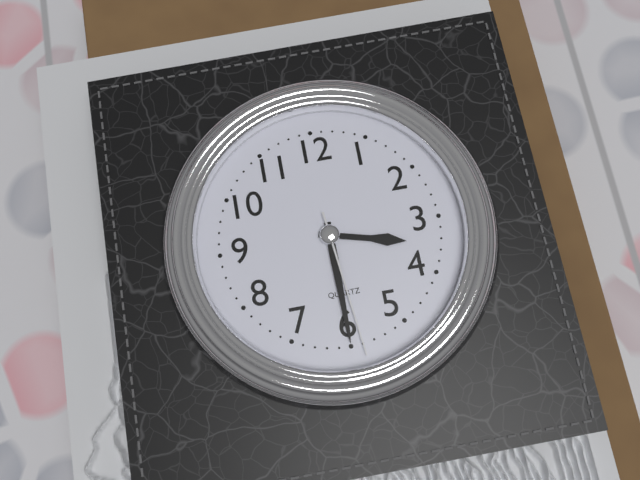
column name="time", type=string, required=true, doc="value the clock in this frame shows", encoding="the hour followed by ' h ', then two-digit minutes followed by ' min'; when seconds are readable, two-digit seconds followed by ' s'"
3 h 30 min 29 s
